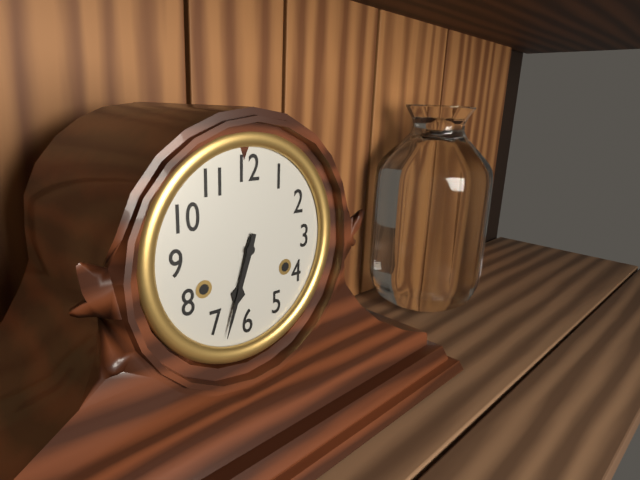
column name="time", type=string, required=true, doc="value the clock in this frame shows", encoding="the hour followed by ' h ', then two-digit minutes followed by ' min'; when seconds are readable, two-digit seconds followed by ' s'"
6 h 33 min
